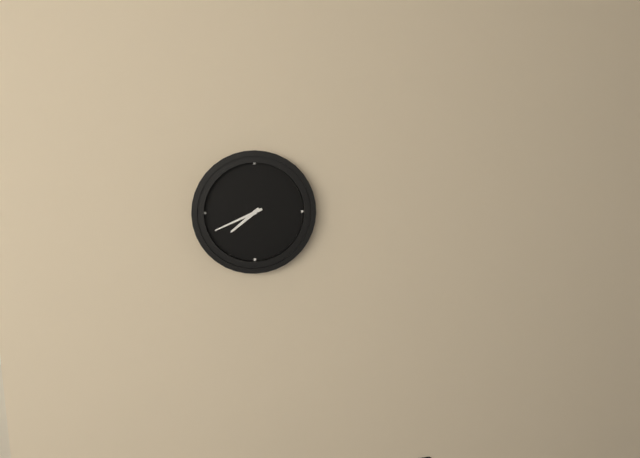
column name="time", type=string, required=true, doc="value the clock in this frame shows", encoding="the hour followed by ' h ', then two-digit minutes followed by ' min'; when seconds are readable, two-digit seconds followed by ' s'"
7 h 41 min
